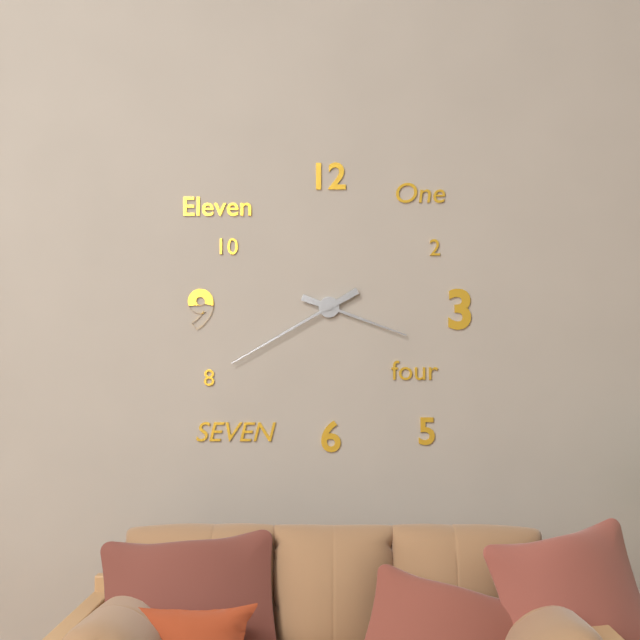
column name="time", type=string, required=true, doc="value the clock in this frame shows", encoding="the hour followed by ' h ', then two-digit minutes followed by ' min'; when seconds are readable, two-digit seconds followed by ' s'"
3 h 40 min
